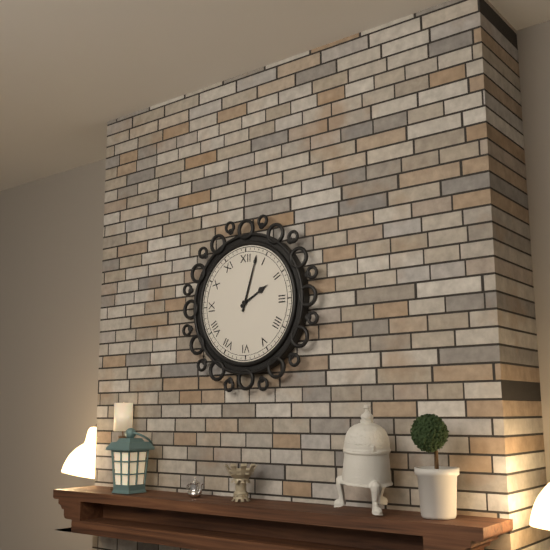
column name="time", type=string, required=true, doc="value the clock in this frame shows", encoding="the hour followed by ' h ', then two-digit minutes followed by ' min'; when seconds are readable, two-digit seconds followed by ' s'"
2 h 03 min
